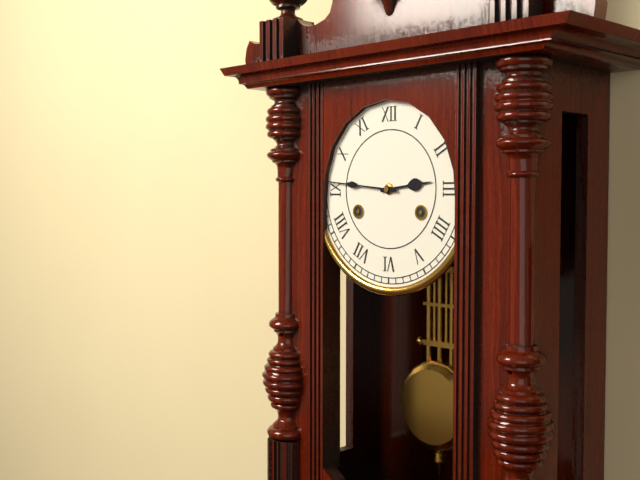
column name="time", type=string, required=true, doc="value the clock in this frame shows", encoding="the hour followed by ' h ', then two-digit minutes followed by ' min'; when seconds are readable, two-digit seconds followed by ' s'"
2 h 46 min
